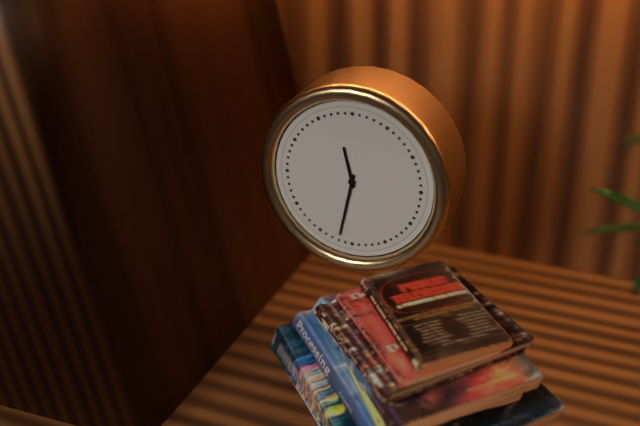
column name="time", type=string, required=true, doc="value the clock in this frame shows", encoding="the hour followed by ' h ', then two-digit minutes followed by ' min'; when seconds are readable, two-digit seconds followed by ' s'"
11 h 32 min
